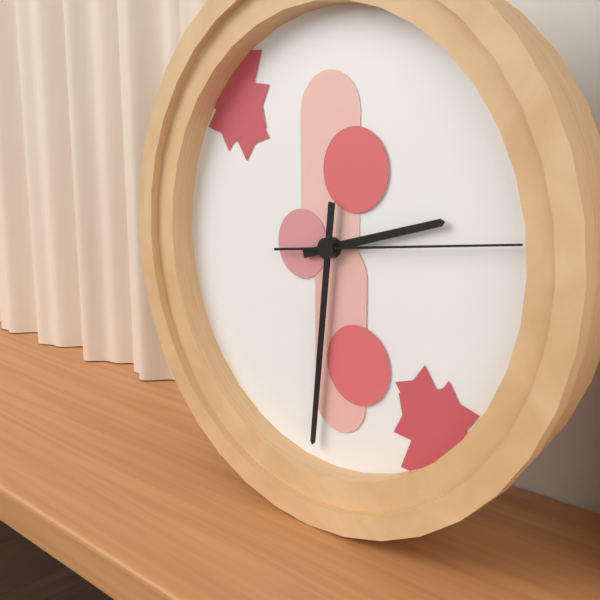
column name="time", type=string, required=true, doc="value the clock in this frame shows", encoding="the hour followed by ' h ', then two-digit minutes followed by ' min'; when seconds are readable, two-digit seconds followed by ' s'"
2 h 31 min 14 s
